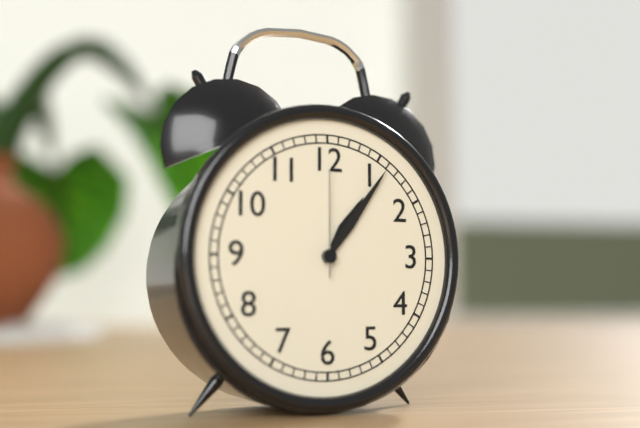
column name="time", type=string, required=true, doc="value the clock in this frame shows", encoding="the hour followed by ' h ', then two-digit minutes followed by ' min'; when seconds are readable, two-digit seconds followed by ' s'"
1 h 06 min 00 s
